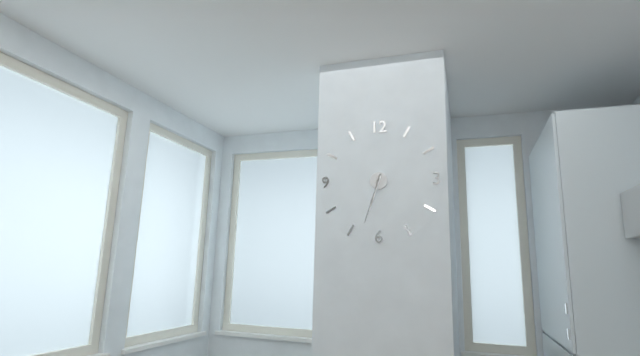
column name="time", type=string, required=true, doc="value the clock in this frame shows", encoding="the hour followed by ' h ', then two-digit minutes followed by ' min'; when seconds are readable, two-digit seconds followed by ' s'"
6 h 33 min
